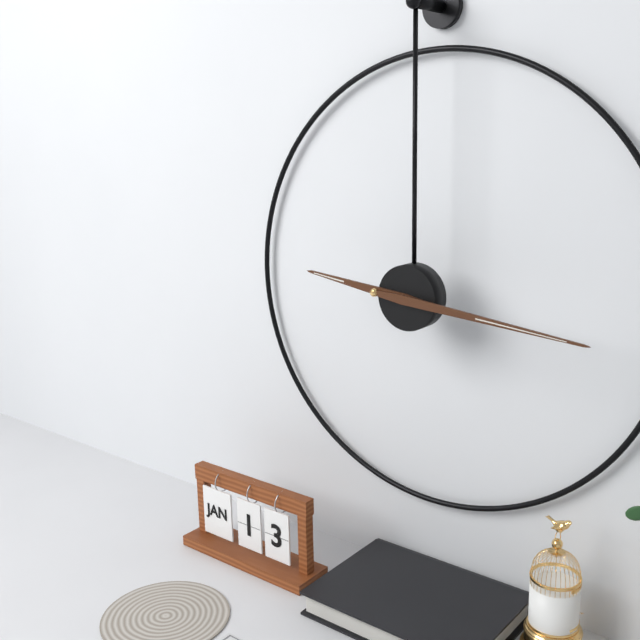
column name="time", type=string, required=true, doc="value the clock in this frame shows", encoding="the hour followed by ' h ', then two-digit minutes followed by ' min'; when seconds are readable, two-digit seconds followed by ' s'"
9 h 16 min
